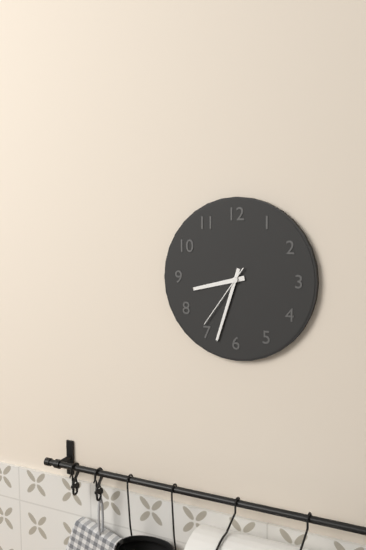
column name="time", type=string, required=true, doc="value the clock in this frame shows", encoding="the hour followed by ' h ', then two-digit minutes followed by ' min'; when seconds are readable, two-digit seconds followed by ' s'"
8 h 33 min 36 s
